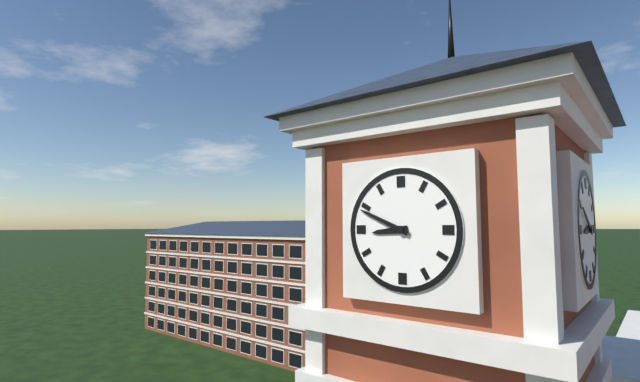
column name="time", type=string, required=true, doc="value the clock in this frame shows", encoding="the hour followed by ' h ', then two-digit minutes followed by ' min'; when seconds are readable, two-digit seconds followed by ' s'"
8 h 49 min
